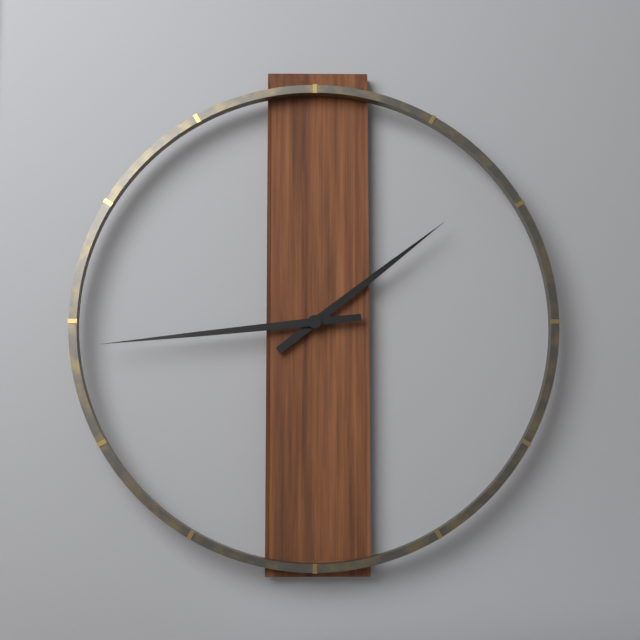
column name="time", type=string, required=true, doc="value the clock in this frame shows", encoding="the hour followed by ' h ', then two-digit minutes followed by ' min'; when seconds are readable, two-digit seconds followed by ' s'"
1 h 44 min
